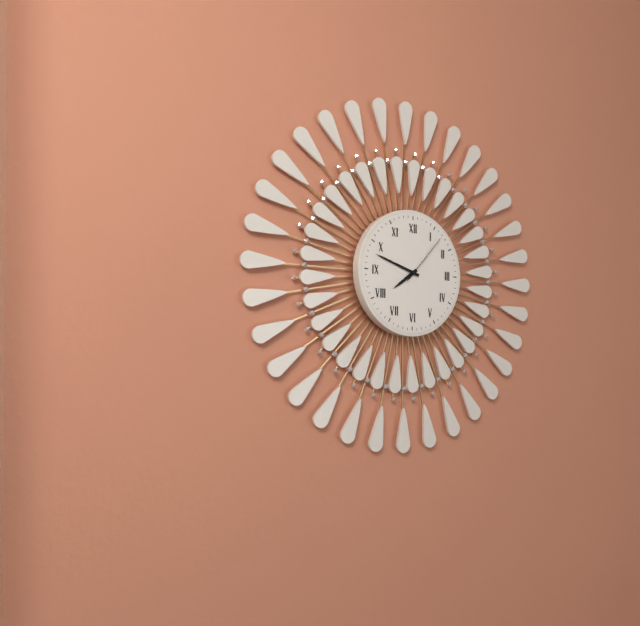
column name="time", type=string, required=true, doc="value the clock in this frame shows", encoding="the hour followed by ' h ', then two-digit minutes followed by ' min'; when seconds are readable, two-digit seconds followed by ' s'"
7 h 48 min 07 s
